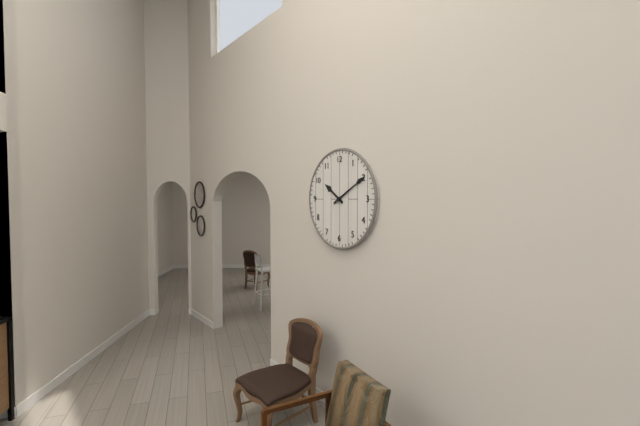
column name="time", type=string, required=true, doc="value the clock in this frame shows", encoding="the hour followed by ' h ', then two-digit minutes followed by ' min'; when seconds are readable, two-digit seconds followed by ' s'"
10 h 10 min
